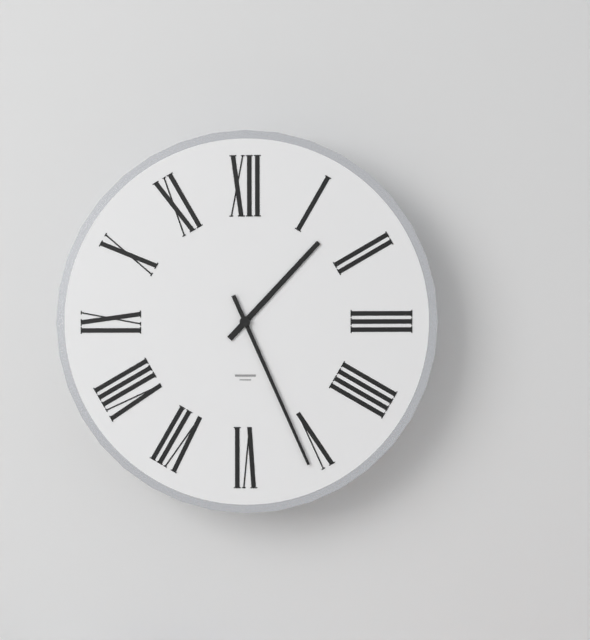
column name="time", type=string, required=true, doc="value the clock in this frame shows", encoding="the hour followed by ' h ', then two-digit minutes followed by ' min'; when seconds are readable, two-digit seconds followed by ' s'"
1 h 26 min
